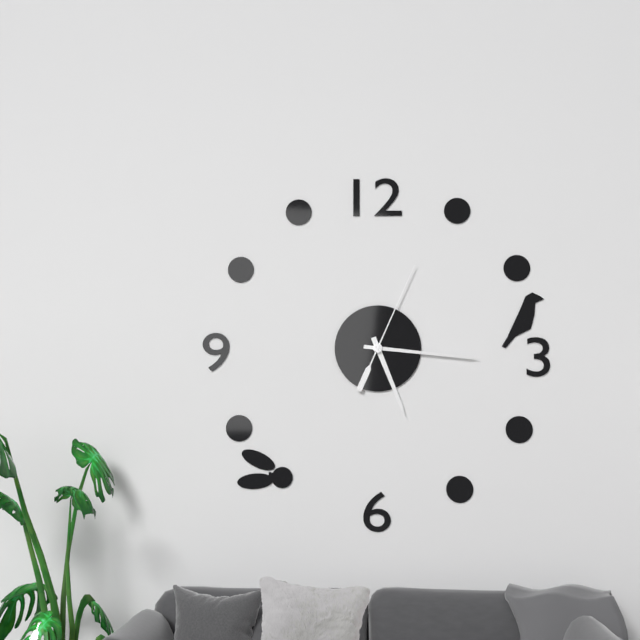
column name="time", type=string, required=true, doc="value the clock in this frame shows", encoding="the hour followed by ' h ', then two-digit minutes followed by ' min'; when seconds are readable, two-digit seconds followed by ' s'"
5 h 16 min 04 s
